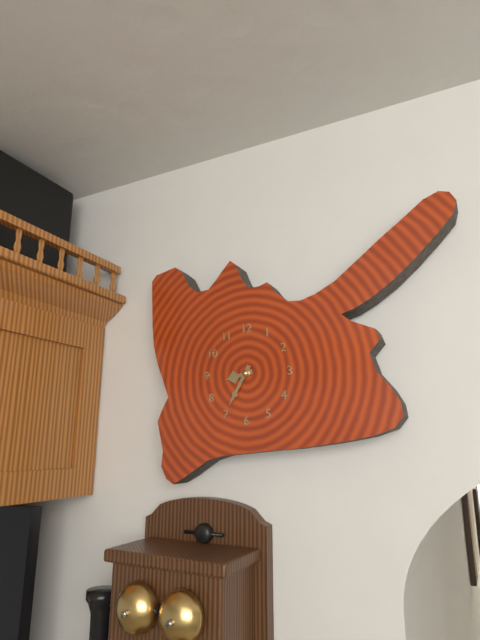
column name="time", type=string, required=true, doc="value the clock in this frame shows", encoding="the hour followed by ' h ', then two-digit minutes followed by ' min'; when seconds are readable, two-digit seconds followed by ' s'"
8 h 35 min
